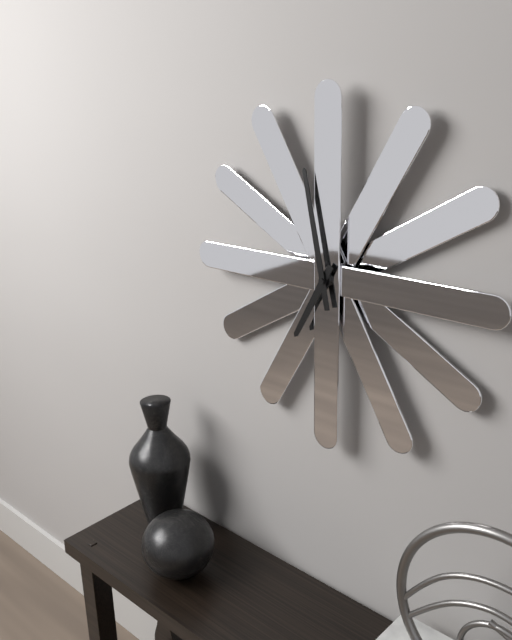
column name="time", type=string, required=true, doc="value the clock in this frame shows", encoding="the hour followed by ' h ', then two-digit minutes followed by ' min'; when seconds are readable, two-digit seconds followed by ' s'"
6 h 58 min
